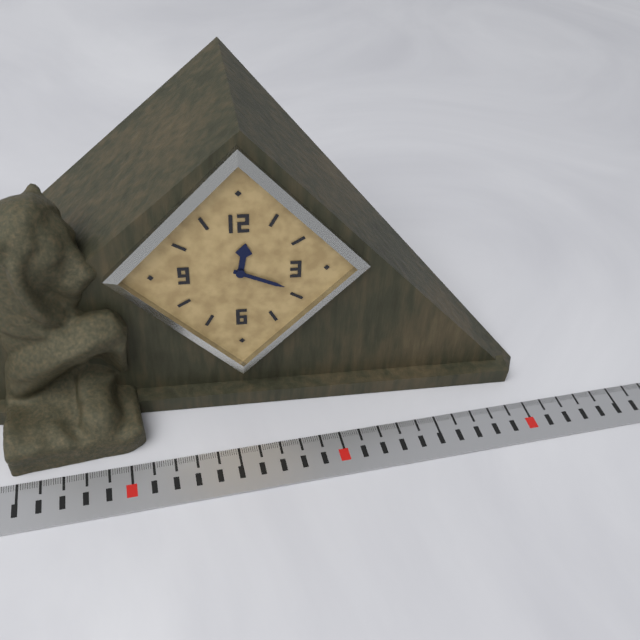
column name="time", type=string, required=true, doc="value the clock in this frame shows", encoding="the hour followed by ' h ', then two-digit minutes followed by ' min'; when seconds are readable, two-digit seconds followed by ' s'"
12 h 19 min
